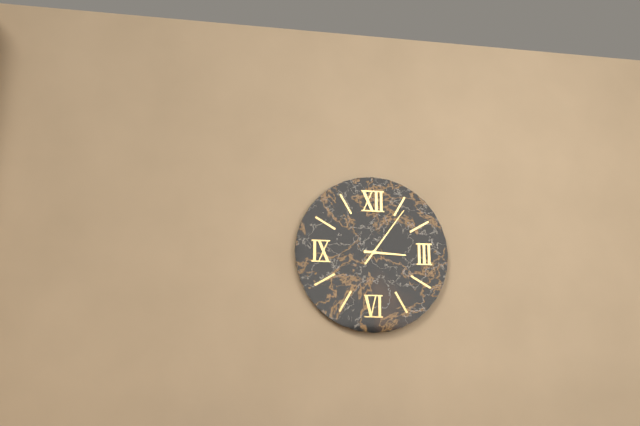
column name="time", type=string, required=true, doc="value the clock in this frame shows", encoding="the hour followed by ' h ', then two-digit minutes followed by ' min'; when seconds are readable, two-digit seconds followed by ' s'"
3 h 06 min
